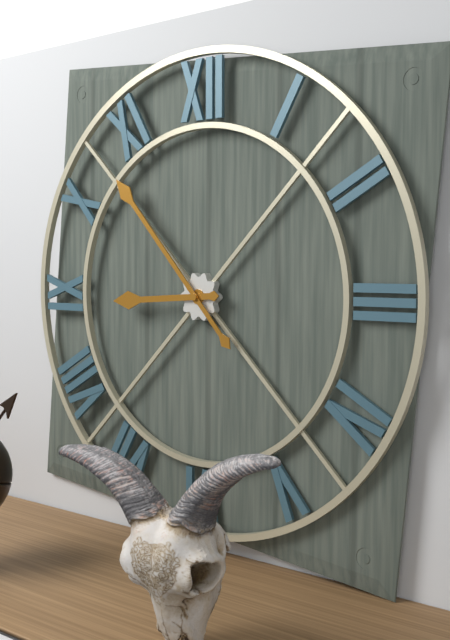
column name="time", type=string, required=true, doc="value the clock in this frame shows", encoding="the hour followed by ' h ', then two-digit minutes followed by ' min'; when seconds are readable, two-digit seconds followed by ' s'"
8 h 53 min
